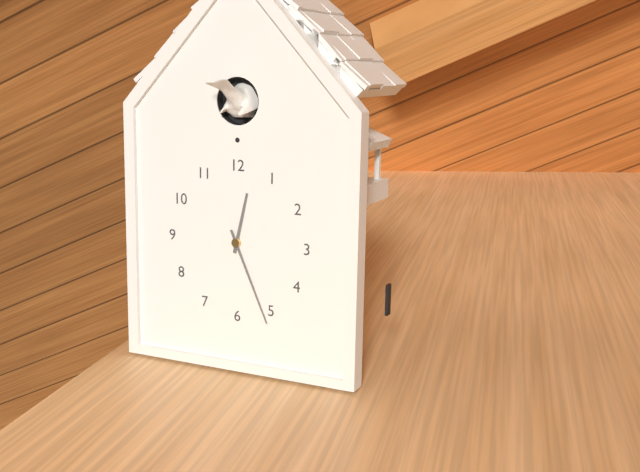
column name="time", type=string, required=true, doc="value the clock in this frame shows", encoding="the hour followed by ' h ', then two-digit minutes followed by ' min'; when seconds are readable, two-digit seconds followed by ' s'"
12 h 26 min
